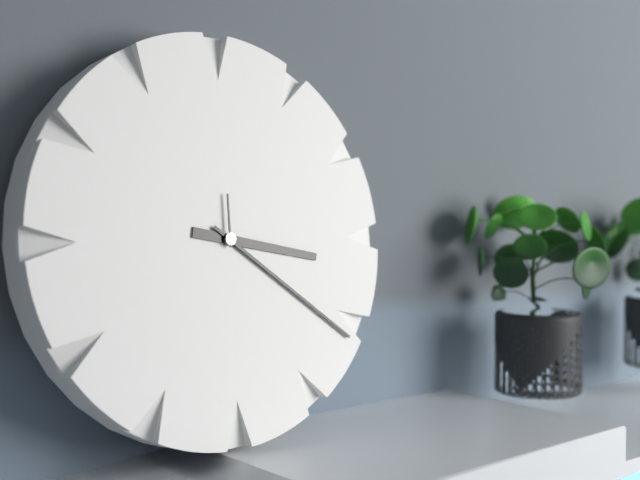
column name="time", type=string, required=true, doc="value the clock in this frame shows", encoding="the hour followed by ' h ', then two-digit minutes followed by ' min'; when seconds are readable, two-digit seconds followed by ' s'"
3 h 21 min 00 s
